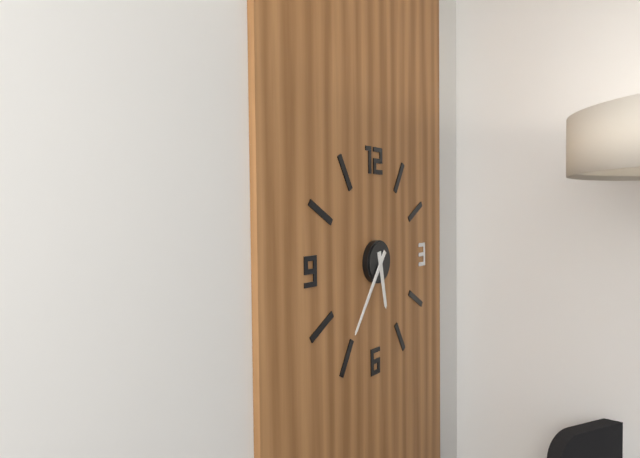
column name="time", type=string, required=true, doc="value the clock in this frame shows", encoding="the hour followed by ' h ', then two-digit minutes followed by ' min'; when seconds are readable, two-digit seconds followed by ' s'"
5 h 36 min
